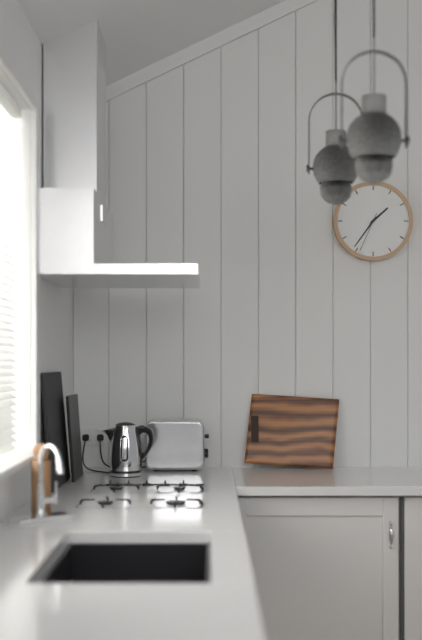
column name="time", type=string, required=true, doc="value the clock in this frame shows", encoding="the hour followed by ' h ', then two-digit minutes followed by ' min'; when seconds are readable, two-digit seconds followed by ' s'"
1 h 36 min
